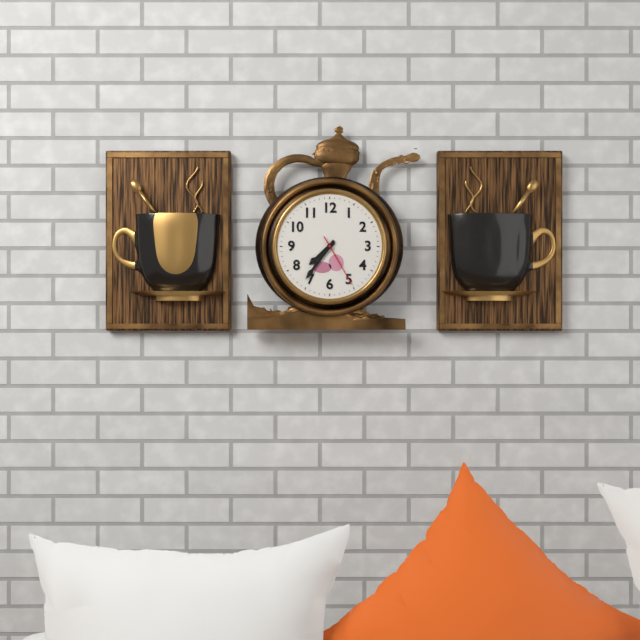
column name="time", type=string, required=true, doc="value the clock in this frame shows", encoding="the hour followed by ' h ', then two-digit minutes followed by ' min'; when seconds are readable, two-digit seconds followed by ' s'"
7 h 36 min 25 s
